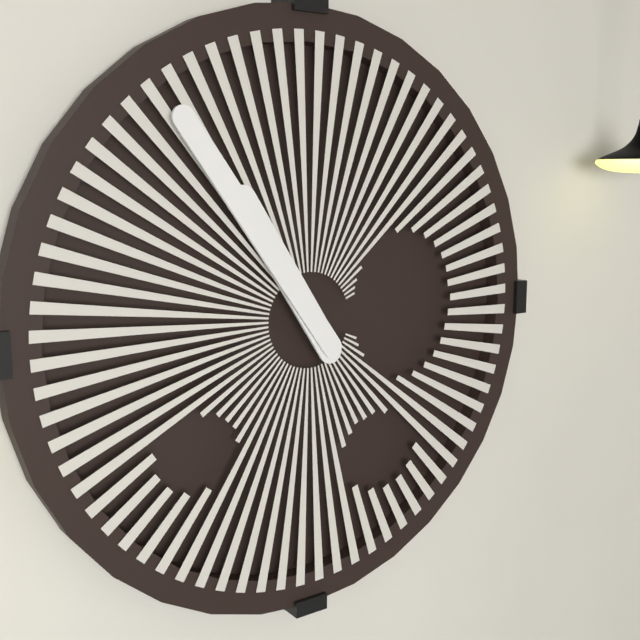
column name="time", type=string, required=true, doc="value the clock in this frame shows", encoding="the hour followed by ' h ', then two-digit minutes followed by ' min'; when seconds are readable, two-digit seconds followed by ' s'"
10 h 54 min
